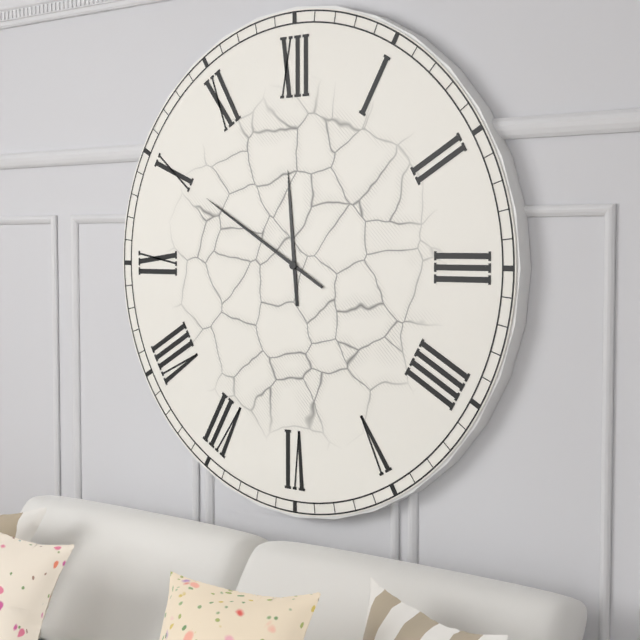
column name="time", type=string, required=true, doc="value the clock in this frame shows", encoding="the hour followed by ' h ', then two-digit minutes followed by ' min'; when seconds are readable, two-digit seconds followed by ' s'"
11 h 50 min
